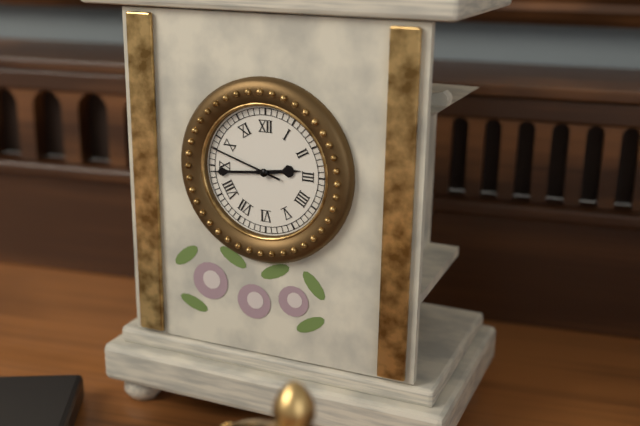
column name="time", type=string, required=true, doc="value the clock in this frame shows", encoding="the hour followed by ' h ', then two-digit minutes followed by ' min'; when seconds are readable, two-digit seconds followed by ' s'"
2 h 44 min 48 s
